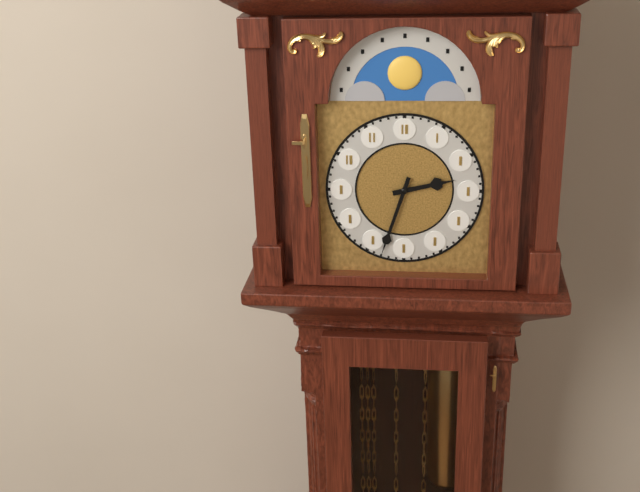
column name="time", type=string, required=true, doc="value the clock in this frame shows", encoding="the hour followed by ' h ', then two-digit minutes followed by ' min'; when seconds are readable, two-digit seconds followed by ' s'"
2 h 33 min
